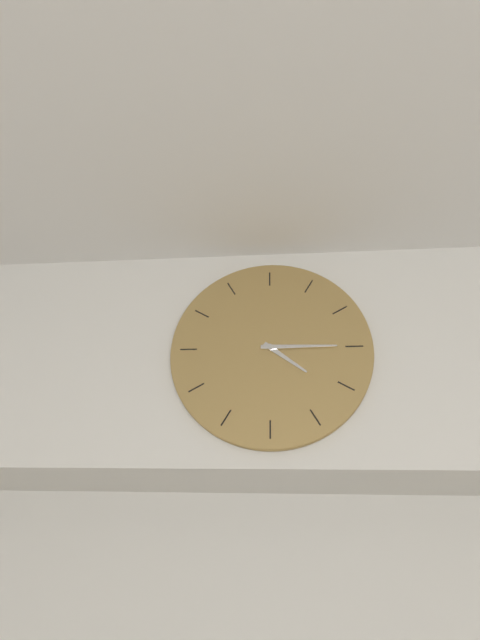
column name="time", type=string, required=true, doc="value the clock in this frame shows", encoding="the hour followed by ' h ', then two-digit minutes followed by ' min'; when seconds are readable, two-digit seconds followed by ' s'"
4 h 15 min
